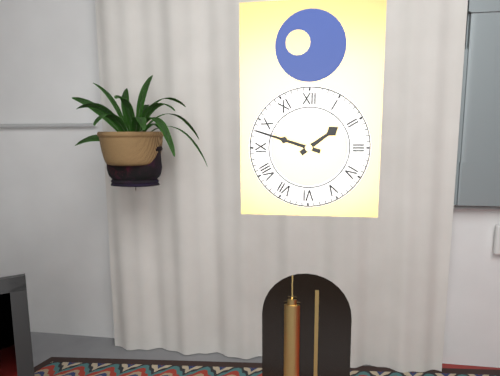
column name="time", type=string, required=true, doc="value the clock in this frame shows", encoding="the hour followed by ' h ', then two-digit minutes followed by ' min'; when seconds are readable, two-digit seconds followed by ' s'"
1 h 48 min
